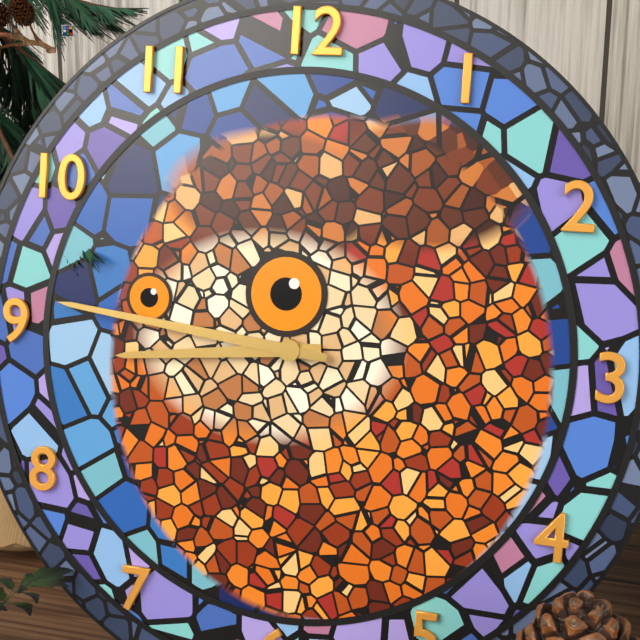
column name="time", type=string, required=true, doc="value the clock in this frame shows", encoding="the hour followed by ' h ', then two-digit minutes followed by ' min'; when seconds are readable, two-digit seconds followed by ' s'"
8 h 46 min
